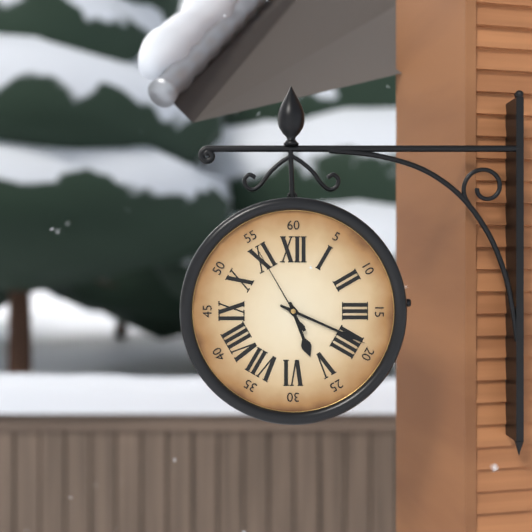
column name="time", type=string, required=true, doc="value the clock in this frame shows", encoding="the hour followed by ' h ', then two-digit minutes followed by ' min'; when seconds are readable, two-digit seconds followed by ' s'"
5 h 19 min 55 s
